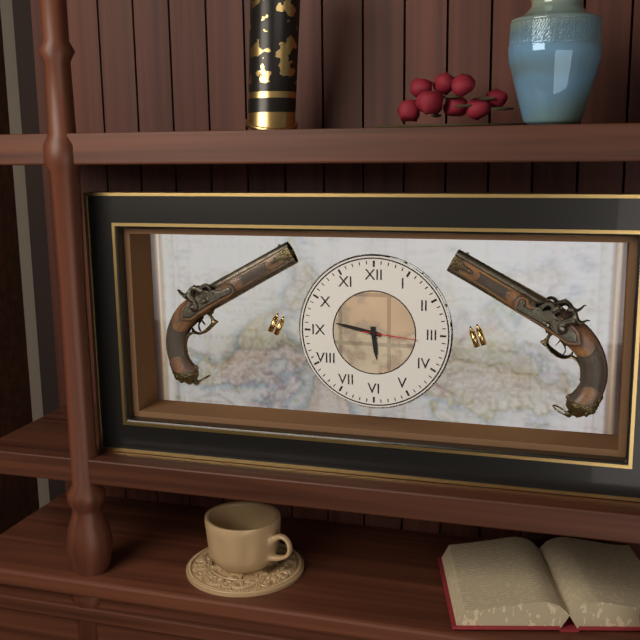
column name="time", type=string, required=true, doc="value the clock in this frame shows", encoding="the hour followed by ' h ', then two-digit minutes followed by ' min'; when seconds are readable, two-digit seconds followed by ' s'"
5 h 47 min 16 s
